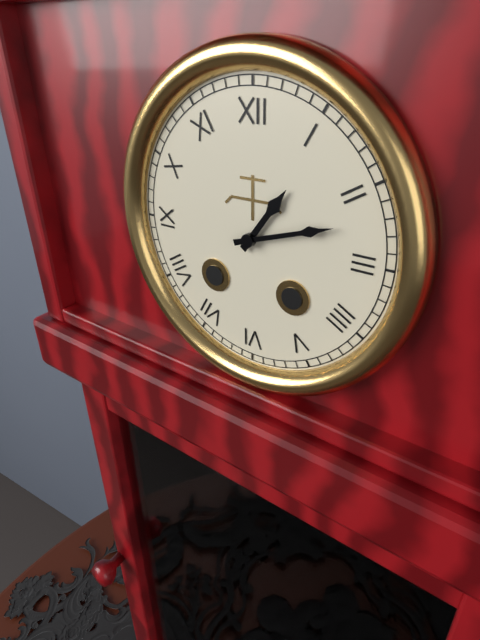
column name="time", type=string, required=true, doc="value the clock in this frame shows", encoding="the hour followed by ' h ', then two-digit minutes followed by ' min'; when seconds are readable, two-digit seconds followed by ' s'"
1 h 12 min
